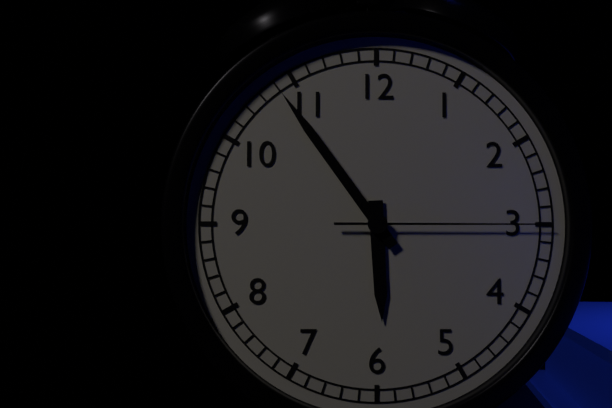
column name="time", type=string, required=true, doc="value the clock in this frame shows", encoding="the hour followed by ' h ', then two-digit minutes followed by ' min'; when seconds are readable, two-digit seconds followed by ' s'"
5 h 54 min 15 s
